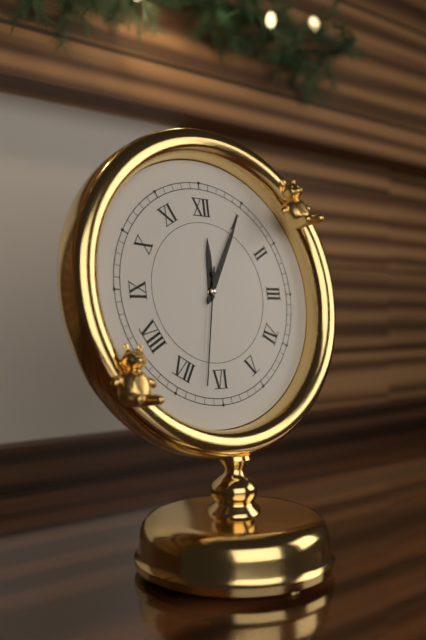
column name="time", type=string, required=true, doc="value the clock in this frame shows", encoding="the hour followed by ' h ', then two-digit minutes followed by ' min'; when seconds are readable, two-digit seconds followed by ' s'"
12 h 05 min 32 s
